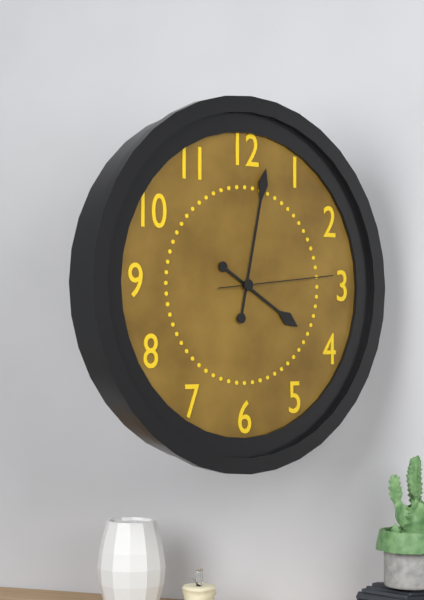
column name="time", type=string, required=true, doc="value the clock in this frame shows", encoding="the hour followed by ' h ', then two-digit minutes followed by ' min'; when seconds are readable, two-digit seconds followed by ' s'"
4 h 02 min 14 s
